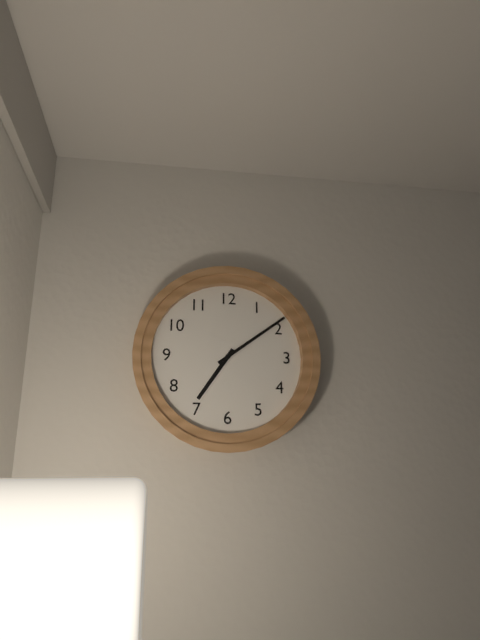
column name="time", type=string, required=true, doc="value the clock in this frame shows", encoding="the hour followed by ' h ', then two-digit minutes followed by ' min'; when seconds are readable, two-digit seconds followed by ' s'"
7 h 09 min
